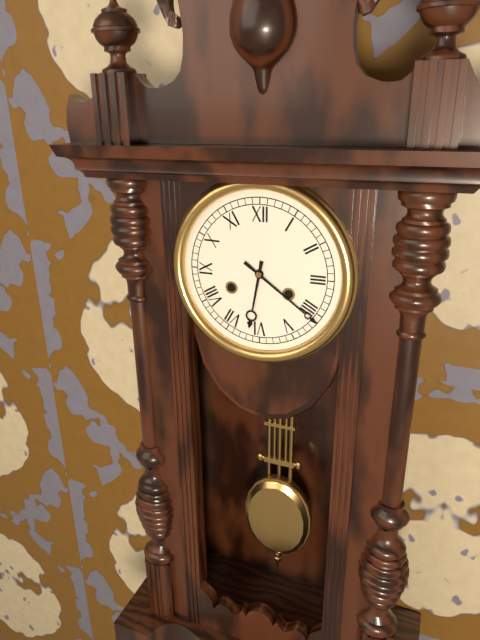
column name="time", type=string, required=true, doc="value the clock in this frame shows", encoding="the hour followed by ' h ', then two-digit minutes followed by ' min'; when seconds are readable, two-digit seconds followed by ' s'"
6 h 21 min
